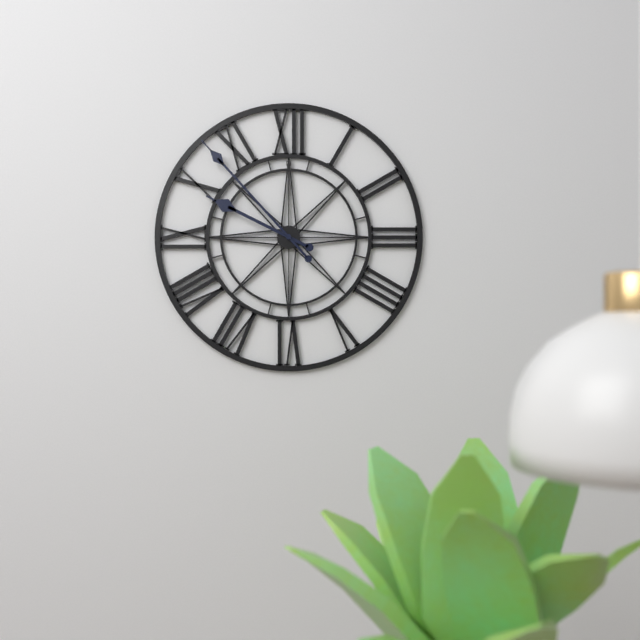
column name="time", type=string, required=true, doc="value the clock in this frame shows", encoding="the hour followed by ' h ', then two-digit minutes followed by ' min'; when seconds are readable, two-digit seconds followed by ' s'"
9 h 53 min
